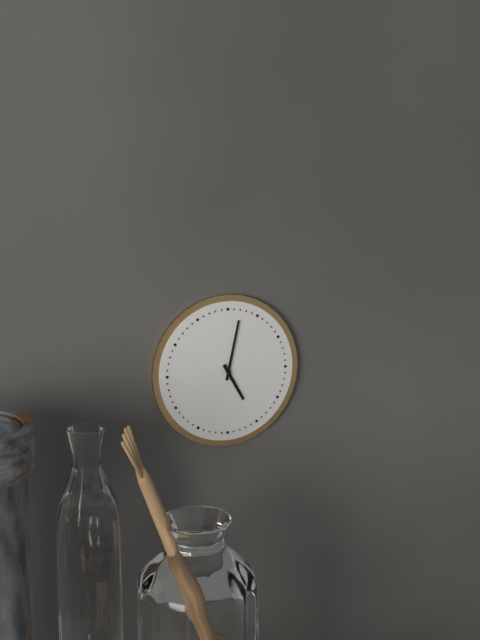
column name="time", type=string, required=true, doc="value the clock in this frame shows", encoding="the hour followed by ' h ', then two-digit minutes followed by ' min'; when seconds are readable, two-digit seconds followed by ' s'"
5 h 02 min
